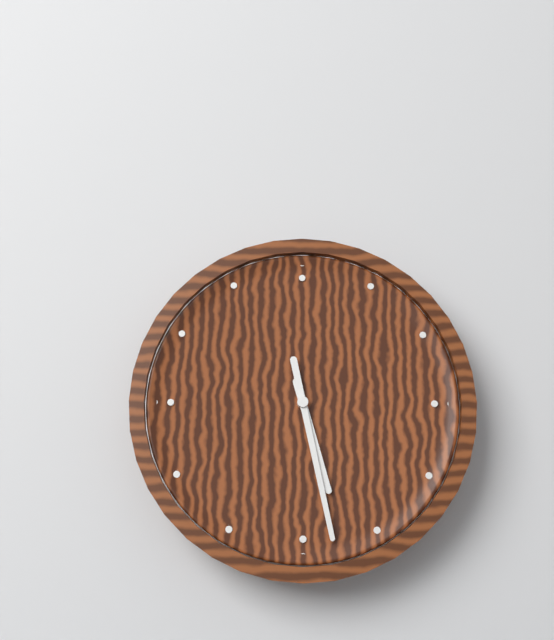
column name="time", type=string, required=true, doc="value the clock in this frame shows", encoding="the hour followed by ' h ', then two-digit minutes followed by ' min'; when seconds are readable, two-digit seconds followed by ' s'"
5 h 28 min
